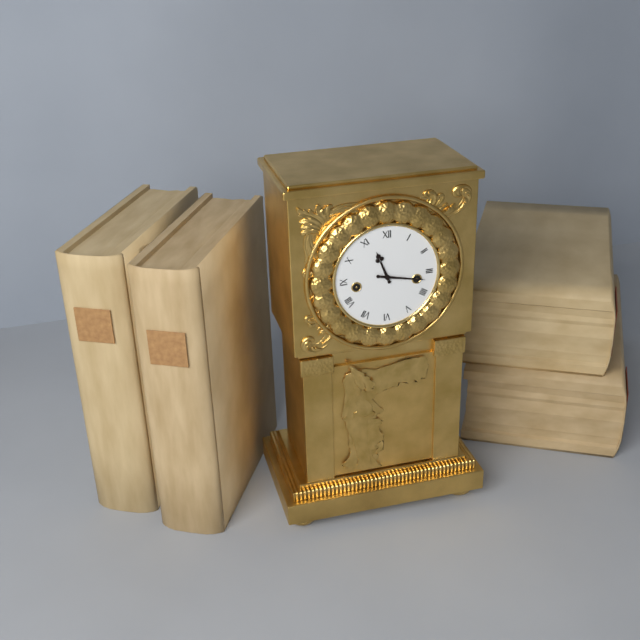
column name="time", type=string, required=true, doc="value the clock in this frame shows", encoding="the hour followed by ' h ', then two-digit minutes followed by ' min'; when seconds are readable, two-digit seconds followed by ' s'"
11 h 17 min
